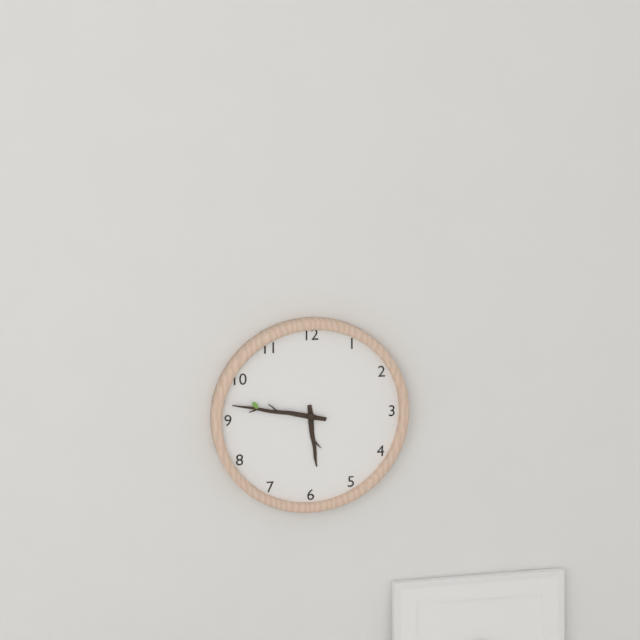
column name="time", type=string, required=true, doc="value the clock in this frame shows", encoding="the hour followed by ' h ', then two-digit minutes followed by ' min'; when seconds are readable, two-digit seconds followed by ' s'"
5 h 47 min
